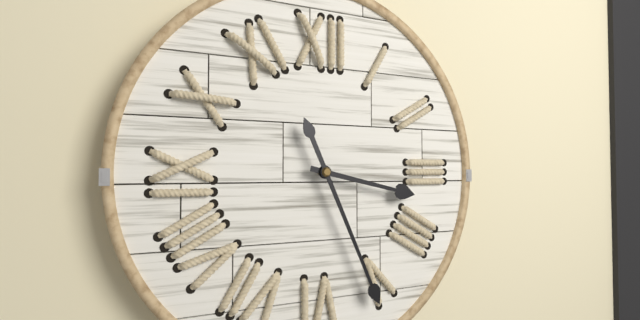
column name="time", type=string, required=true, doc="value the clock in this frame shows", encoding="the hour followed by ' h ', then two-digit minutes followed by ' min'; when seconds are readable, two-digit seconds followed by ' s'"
3 h 26 min
